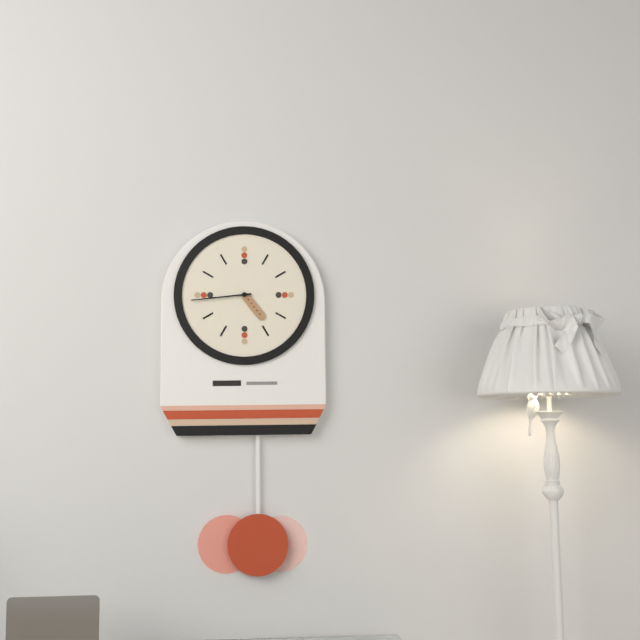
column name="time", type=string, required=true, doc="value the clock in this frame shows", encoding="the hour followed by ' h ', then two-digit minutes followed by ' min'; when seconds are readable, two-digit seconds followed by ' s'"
4 h 44 min
